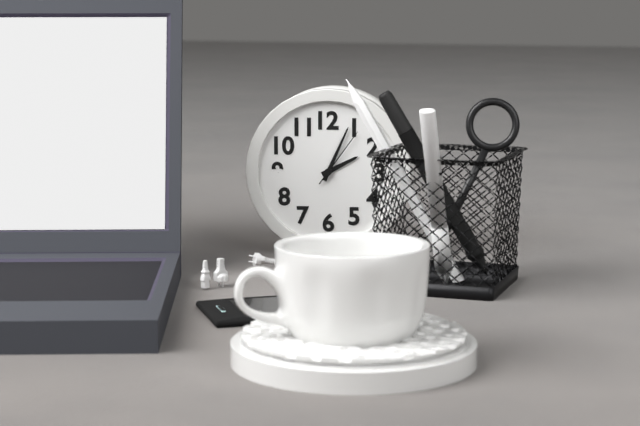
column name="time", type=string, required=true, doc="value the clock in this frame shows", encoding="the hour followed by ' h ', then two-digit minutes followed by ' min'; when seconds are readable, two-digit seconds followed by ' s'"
2 h 04 min 06 s
